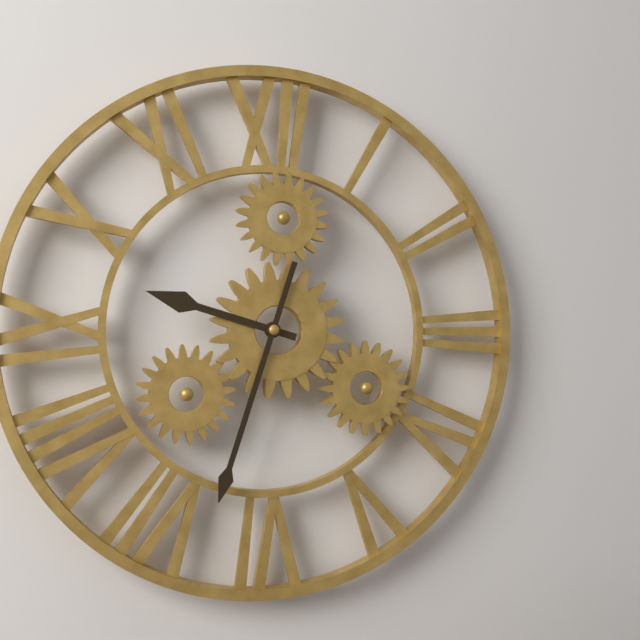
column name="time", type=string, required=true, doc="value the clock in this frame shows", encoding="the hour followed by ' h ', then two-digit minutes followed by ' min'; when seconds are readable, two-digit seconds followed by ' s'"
9 h 33 min
